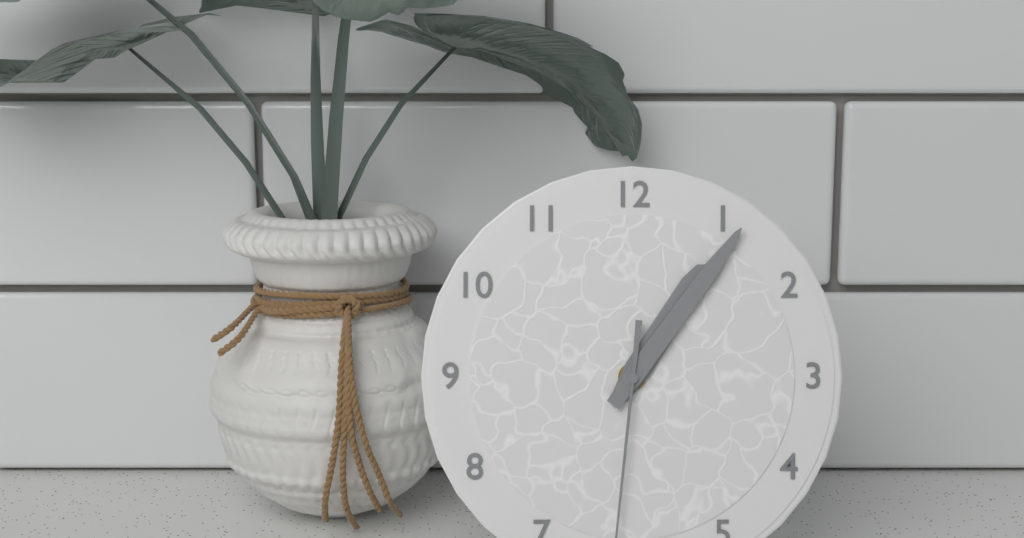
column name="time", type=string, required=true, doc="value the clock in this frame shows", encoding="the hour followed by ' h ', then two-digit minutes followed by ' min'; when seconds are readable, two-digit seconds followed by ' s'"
1 h 06 min
